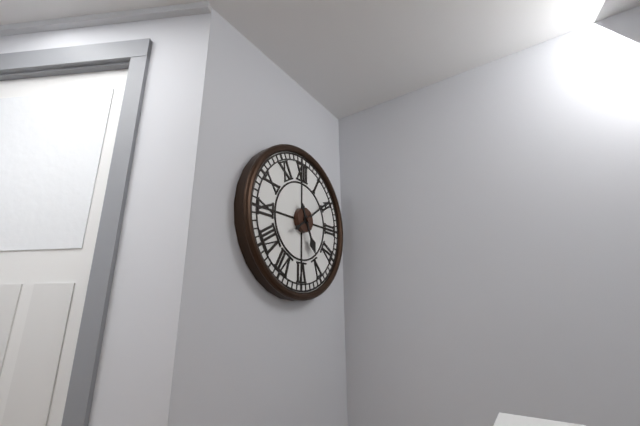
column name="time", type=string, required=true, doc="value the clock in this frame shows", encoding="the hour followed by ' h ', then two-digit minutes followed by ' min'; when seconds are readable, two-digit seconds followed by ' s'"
5 h 09 min
